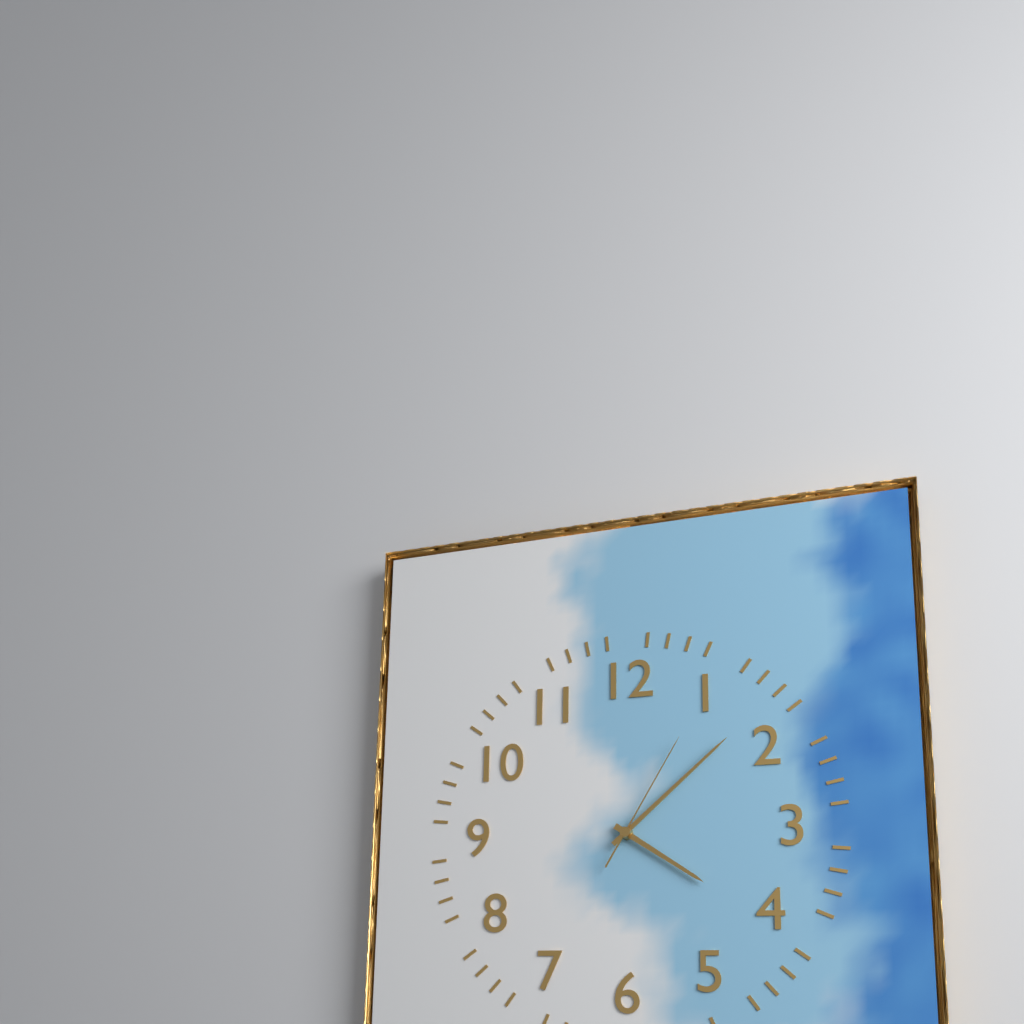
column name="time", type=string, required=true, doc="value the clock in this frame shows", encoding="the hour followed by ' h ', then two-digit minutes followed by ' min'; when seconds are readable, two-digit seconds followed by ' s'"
4 h 08 min 05 s
